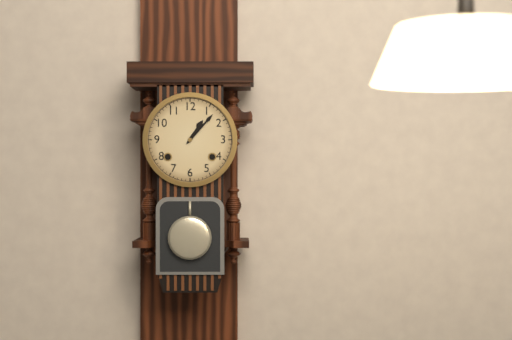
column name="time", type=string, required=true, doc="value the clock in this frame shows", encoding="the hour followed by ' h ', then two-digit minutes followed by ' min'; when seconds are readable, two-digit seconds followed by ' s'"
1 h 07 min
